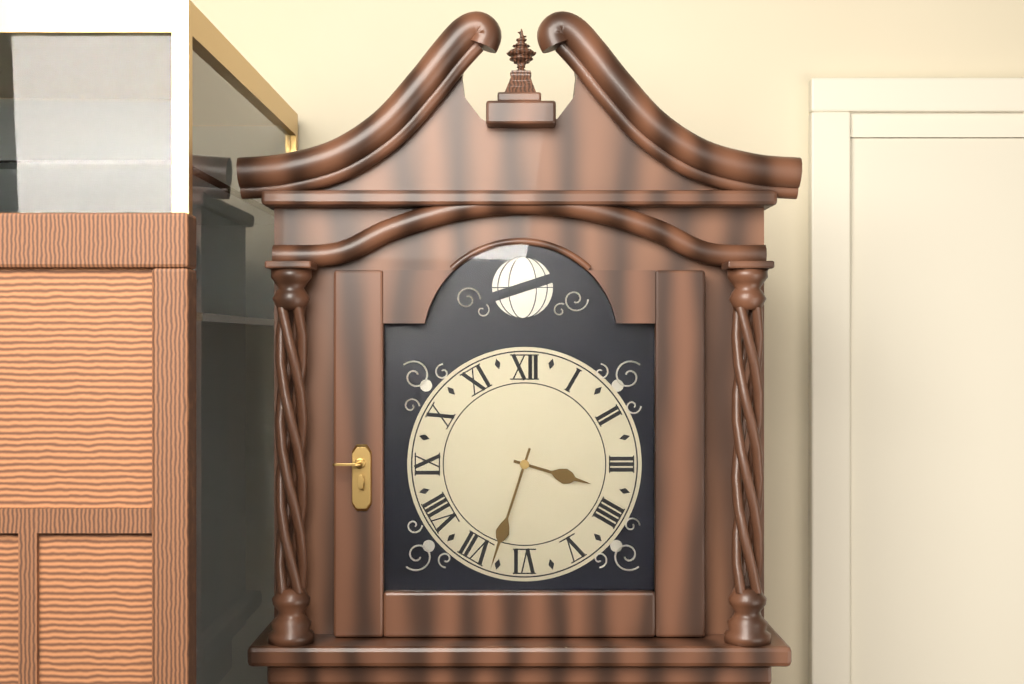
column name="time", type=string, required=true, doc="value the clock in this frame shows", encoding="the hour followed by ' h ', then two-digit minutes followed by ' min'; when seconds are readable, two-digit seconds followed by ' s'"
3 h 33 min
